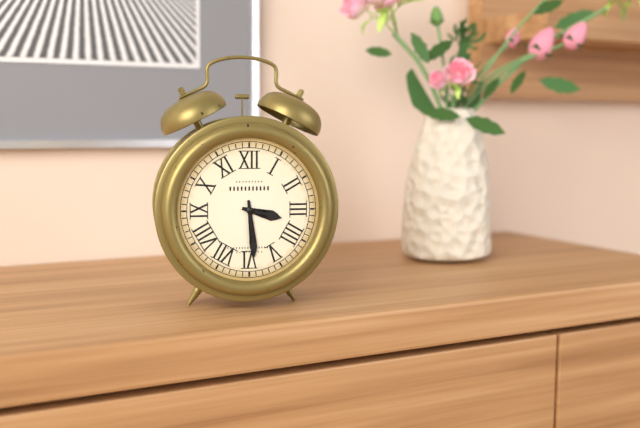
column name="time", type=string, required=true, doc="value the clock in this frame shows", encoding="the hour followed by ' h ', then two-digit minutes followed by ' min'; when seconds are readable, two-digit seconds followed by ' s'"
3 h 29 min
